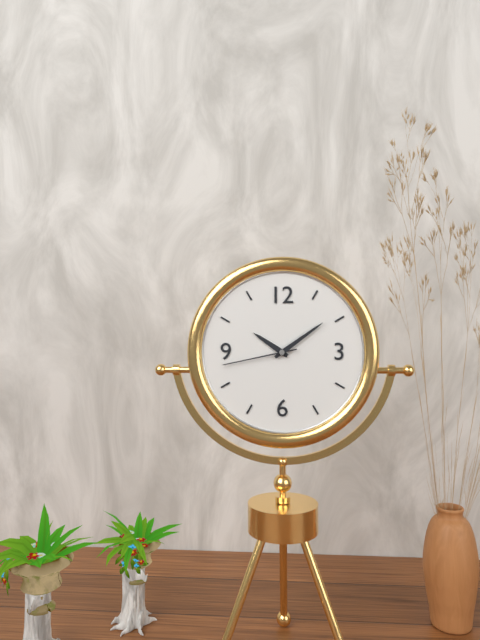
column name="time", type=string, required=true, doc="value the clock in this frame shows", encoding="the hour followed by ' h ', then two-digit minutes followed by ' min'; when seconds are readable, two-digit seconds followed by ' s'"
10 h 09 min 43 s
